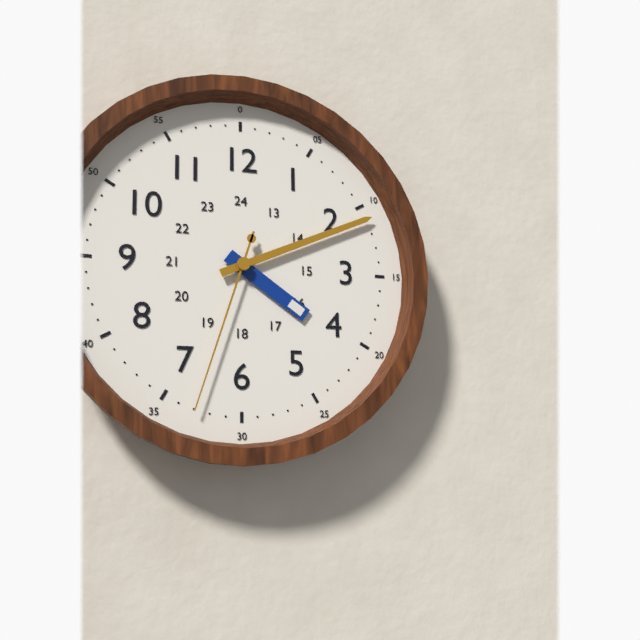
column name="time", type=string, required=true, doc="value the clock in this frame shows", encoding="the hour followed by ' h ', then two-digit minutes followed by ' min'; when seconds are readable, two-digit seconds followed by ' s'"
4 h 11 min 33 s
